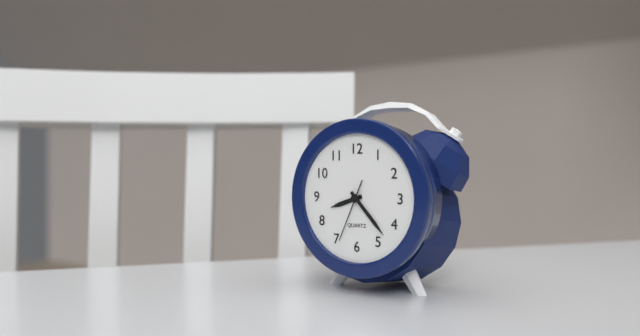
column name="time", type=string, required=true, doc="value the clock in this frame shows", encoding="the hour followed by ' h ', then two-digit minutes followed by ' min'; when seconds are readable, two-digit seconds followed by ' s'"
8 h 23 min 34 s
